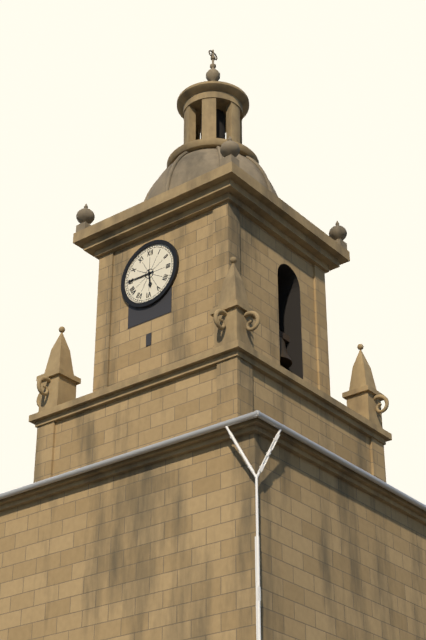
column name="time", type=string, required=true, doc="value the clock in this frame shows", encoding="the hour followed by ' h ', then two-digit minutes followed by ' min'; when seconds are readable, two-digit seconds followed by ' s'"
5 h 45 min
